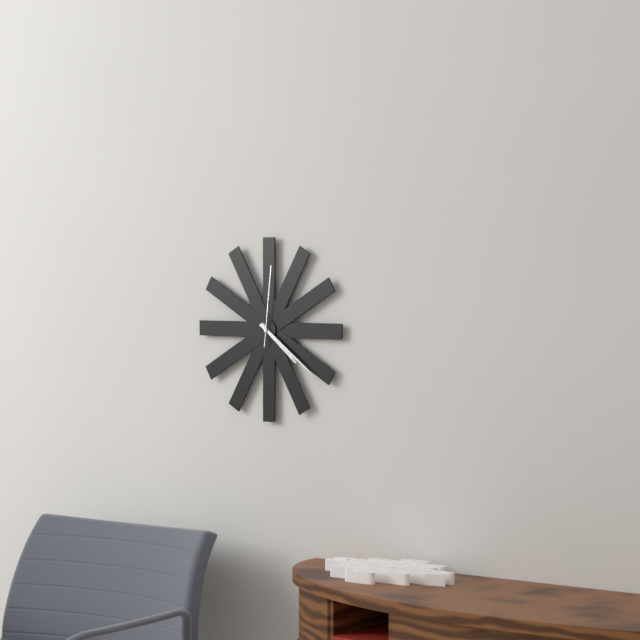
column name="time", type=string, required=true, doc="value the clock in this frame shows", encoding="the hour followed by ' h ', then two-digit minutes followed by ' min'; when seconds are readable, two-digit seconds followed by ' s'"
4 h 21 min 01 s
